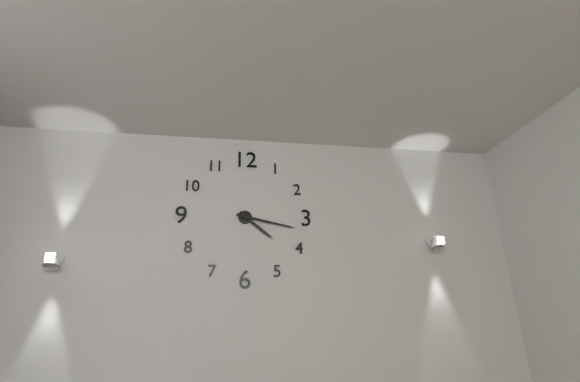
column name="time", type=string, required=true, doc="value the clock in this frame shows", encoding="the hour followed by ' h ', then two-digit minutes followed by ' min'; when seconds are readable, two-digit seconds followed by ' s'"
4 h 17 min
